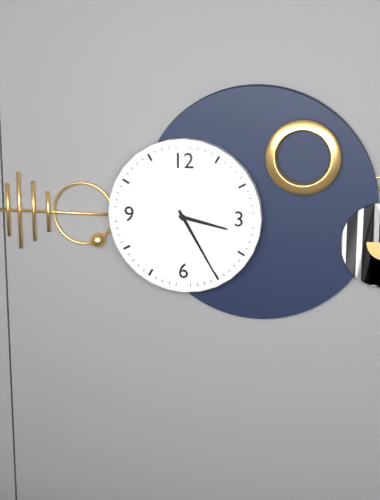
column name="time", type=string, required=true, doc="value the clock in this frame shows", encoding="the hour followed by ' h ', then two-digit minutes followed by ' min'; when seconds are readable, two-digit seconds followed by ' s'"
3 h 25 min
